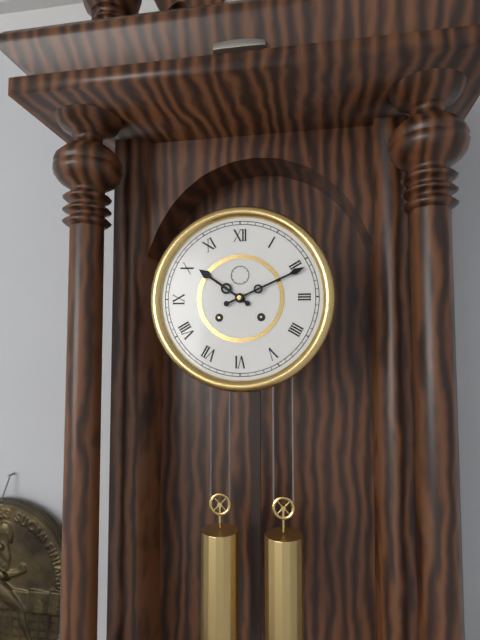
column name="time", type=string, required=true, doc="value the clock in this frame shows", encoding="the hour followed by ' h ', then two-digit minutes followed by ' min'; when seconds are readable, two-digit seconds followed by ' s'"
10 h 11 min
